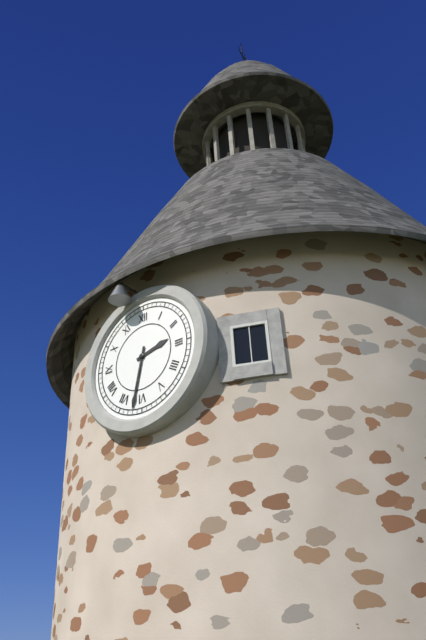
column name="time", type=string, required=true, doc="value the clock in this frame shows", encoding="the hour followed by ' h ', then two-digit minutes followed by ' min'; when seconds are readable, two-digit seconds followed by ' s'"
2 h 32 min
